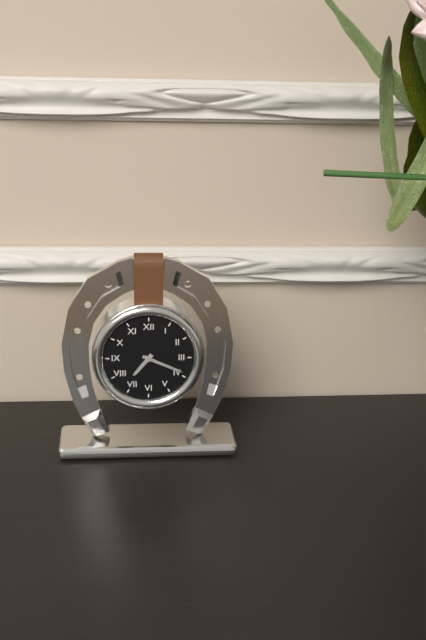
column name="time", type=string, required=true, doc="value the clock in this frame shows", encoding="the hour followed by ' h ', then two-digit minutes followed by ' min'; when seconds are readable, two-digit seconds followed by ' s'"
7 h 19 min
